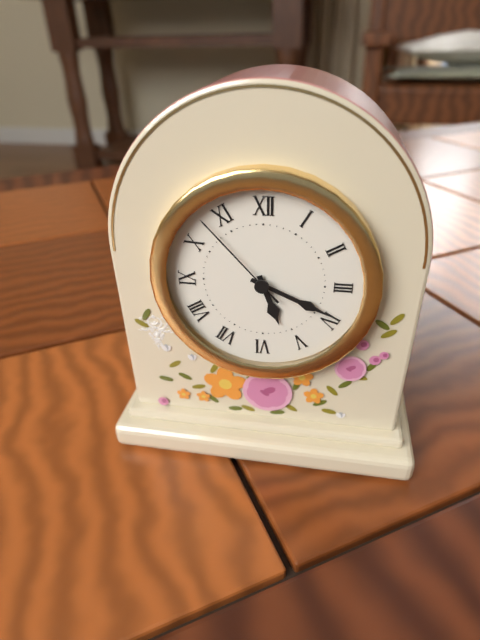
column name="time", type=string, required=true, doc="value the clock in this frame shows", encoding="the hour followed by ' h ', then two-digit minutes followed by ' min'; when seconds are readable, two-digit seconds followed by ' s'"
5 h 19 min 53 s
